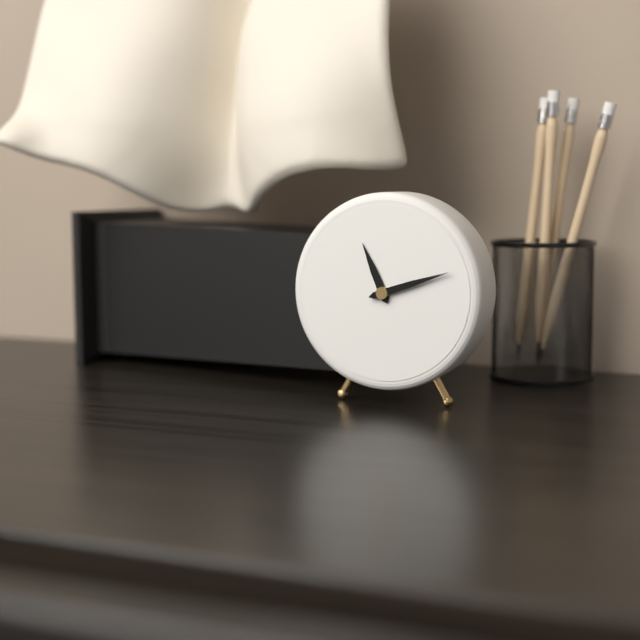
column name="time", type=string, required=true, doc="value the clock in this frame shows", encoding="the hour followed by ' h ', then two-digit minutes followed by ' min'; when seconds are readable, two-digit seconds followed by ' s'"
11 h 12 min
